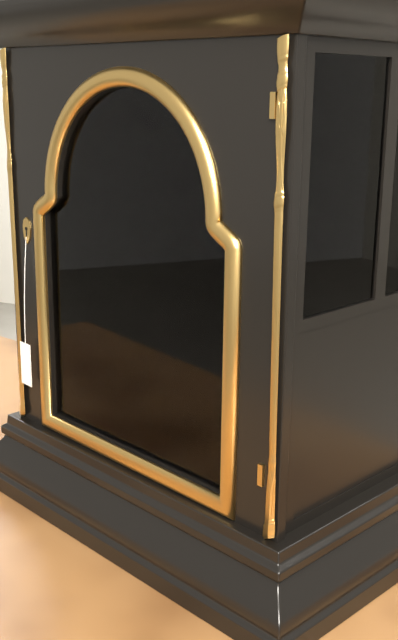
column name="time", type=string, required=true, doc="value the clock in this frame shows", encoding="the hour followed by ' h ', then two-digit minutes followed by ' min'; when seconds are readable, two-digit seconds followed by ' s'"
6 h 27 min
